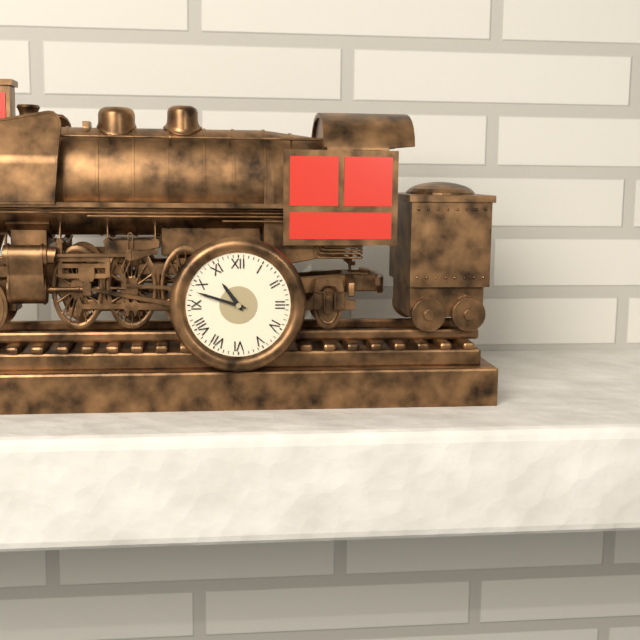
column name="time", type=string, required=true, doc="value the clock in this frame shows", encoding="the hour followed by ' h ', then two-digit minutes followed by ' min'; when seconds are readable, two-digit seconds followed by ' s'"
10 h 48 min
